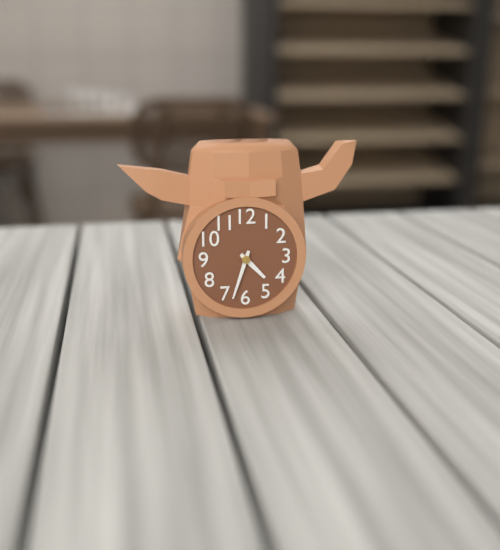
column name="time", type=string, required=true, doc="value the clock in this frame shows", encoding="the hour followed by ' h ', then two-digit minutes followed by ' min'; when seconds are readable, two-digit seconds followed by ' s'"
4 h 33 min
